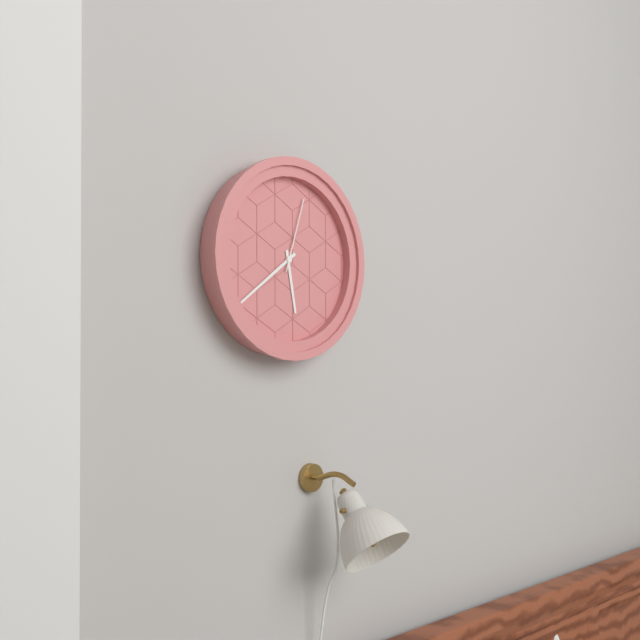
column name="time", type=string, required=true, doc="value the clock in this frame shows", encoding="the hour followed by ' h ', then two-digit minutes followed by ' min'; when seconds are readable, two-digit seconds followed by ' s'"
5 h 39 min 03 s
